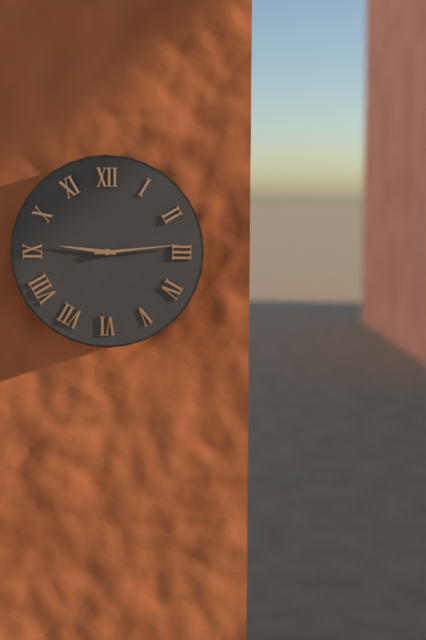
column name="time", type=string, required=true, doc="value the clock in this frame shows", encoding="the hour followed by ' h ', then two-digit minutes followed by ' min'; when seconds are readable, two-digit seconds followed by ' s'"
9 h 14 min
